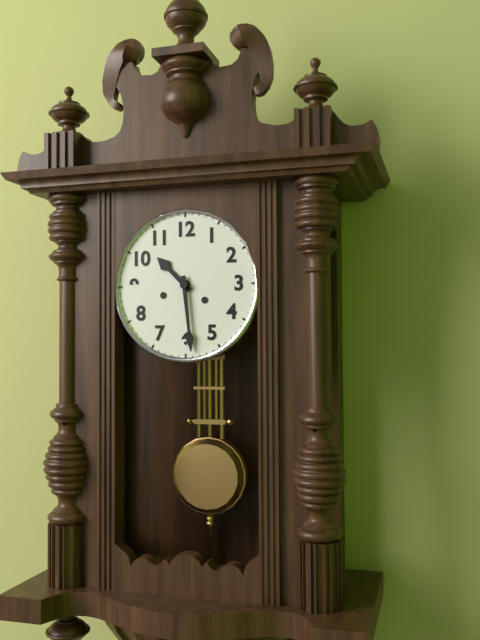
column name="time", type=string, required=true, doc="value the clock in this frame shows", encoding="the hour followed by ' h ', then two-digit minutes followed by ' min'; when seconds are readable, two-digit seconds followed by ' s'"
10 h 29 min
